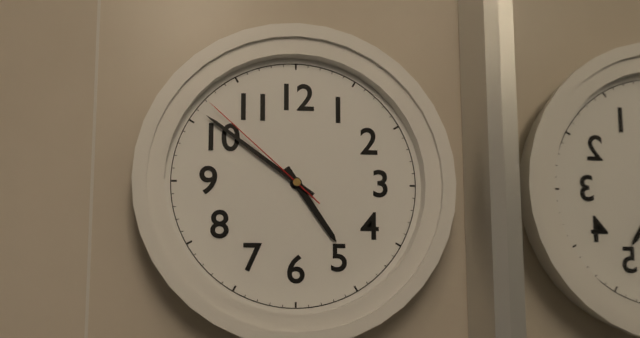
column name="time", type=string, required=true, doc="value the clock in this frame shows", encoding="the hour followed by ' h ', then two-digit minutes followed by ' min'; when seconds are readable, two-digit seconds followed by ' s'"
4 h 51 min 52 s
